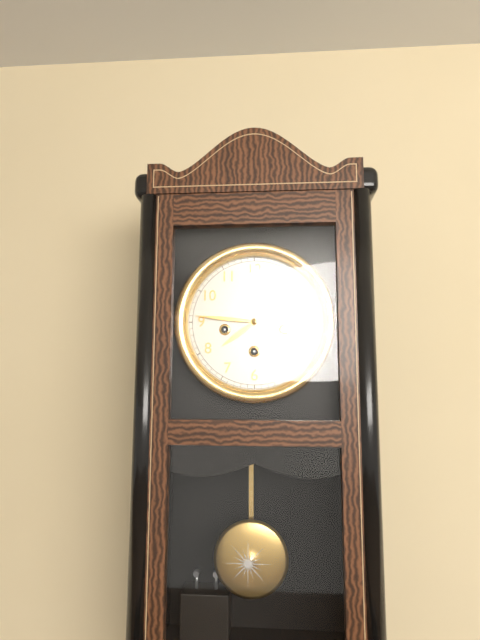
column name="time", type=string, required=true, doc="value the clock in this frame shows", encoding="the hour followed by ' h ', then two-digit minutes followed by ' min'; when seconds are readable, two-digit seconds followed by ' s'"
7 h 46 min
